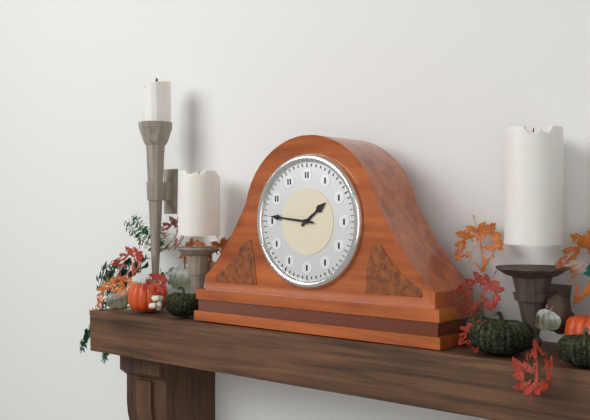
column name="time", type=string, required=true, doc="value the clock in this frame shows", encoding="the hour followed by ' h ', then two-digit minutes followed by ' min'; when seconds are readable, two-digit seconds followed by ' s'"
1 h 46 min
